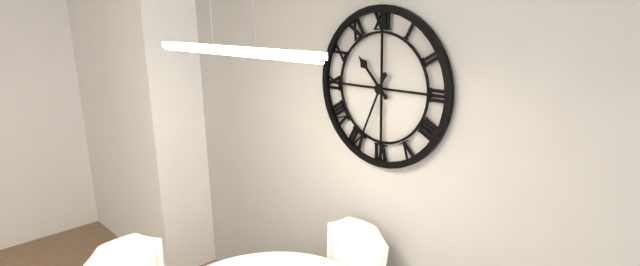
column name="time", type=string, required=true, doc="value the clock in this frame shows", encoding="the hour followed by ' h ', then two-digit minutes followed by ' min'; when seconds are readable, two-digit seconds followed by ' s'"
10 h 34 min
